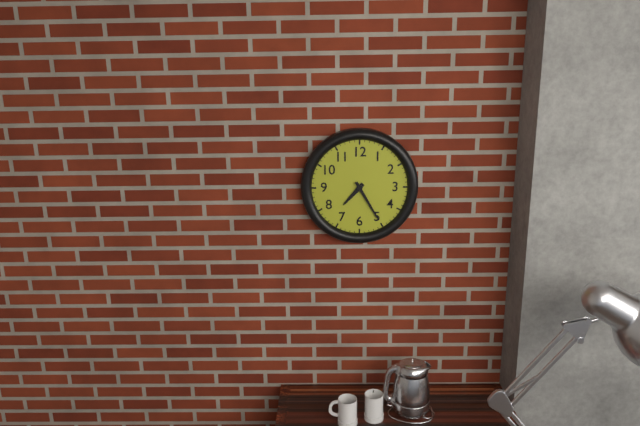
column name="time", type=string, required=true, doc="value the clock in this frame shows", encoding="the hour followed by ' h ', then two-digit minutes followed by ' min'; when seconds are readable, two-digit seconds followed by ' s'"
7 h 25 min
